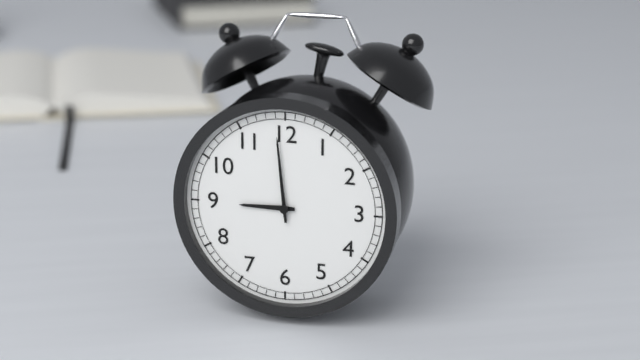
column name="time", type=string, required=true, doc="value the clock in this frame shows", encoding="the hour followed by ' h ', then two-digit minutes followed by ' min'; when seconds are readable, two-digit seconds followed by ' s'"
8 h 59 min
